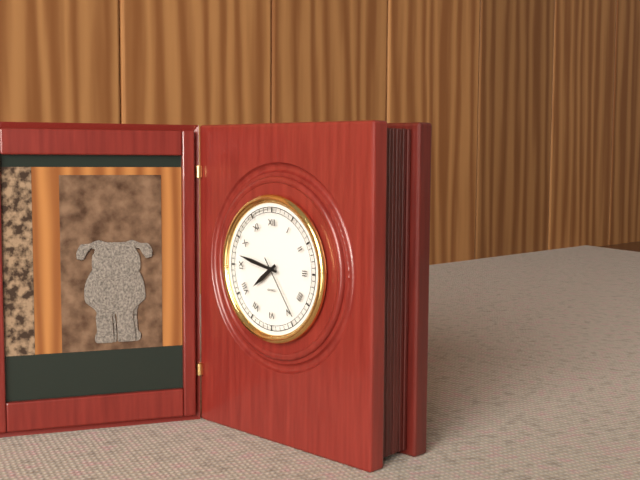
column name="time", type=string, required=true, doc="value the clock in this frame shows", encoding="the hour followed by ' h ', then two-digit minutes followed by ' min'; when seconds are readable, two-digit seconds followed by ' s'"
7 h 47 min 24 s
